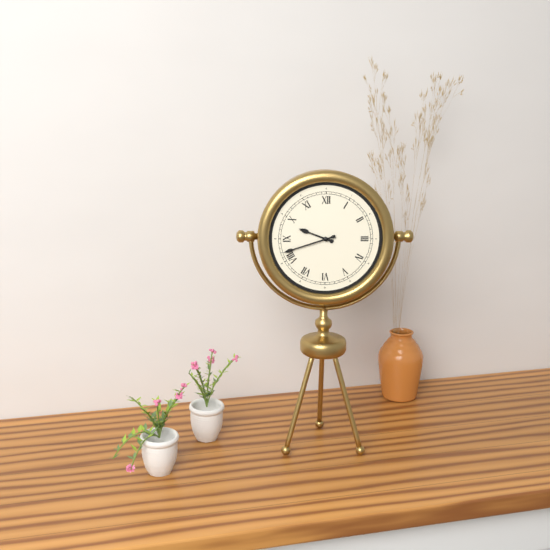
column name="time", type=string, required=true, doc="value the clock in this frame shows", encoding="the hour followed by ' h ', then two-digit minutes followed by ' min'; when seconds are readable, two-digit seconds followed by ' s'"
9 h 42 min
